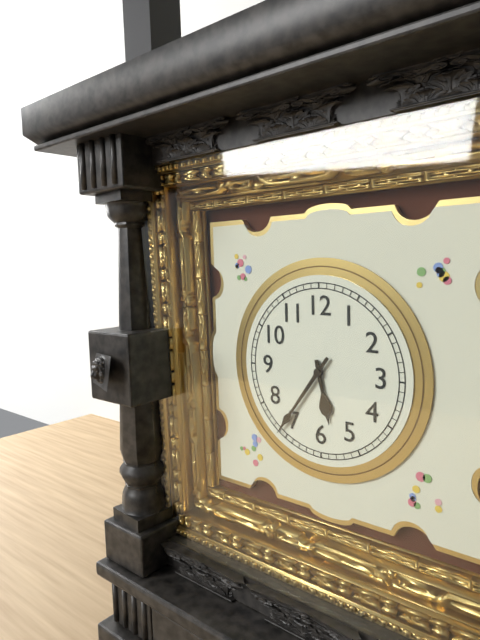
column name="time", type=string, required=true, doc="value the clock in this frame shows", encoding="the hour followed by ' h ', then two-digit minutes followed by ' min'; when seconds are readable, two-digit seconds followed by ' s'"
5 h 36 min
